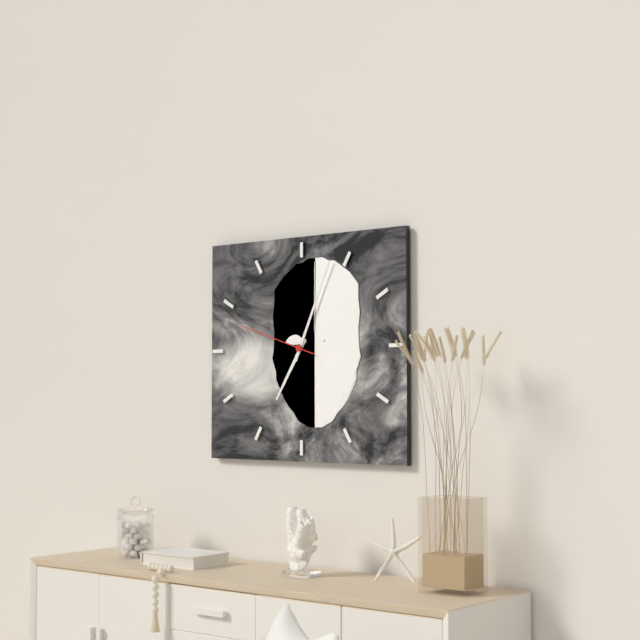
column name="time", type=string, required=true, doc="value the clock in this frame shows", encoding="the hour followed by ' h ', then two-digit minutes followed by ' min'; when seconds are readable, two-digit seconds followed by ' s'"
7 h 04 min 48 s
